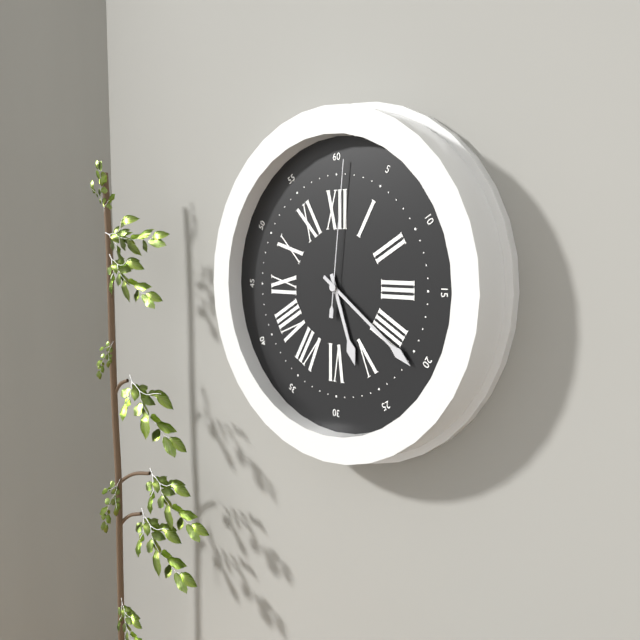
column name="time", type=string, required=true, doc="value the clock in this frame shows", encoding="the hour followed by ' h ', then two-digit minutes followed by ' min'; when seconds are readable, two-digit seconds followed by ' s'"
5 h 21 min 01 s
